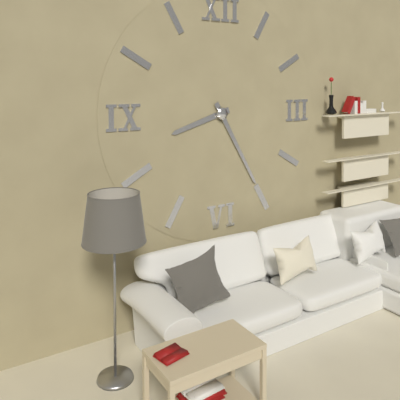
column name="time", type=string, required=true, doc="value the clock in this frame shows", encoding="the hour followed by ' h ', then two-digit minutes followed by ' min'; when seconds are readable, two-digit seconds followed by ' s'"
8 h 25 min
